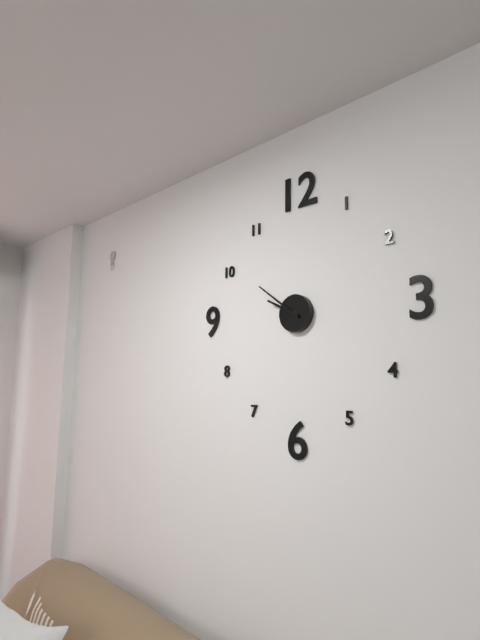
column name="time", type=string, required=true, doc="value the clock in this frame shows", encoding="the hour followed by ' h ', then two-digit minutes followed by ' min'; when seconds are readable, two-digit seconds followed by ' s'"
9 h 51 min
